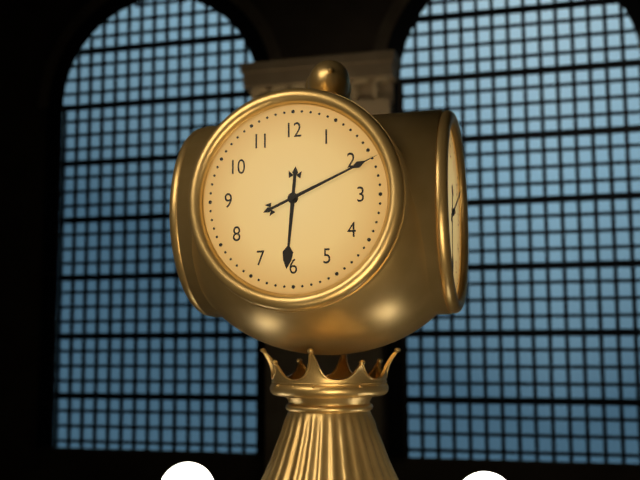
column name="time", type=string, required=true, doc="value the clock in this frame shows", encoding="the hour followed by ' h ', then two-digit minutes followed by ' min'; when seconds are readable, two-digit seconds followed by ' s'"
6 h 11 min
